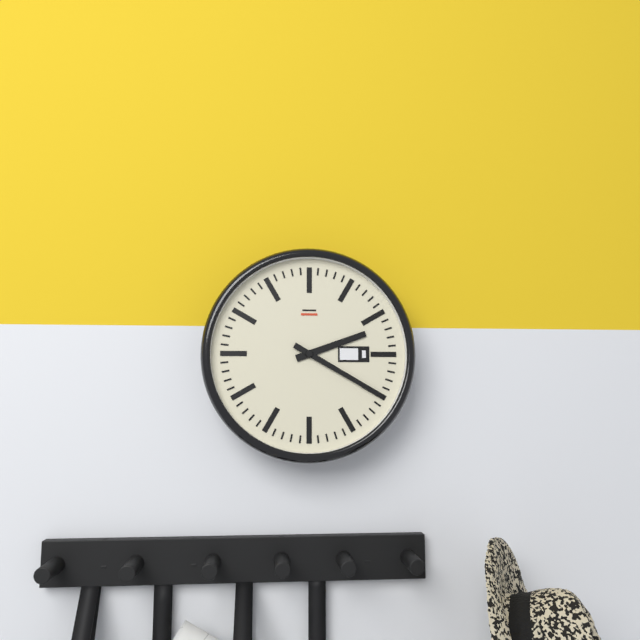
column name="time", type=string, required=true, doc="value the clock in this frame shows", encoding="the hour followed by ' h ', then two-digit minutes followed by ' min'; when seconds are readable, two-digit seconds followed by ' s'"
2 h 20 min
